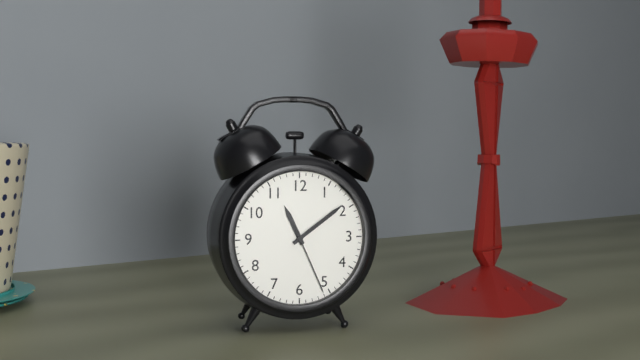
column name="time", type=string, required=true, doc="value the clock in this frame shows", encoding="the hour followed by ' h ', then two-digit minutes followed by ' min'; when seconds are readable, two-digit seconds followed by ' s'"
11 h 09 min 26 s
